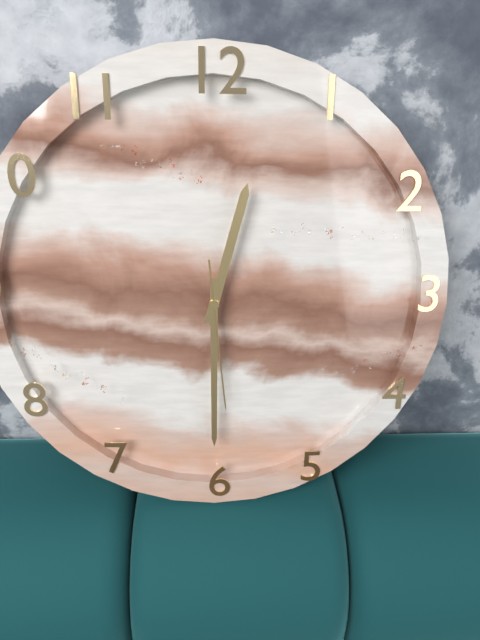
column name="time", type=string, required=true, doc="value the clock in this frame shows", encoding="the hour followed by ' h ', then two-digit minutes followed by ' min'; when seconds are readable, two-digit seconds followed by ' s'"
12 h 30 min 29 s
